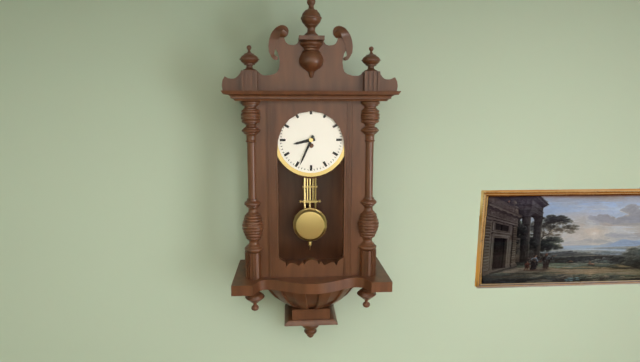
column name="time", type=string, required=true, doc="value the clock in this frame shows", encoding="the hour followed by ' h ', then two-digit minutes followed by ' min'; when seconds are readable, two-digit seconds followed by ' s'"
8 h 34 min
